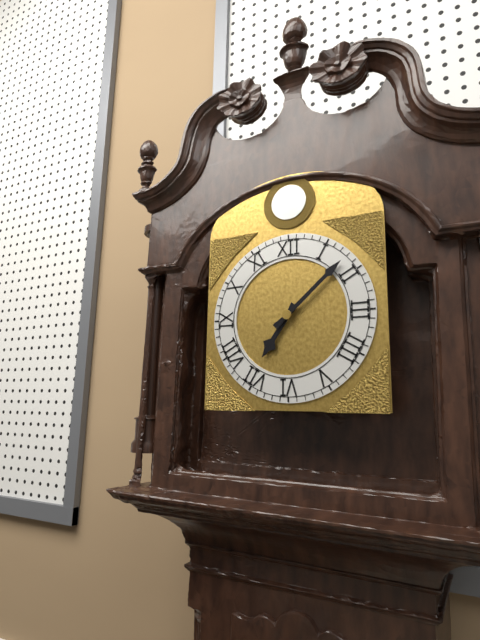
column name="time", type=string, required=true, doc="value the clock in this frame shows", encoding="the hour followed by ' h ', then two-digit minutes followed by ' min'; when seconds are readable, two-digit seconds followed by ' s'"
7 h 08 min
